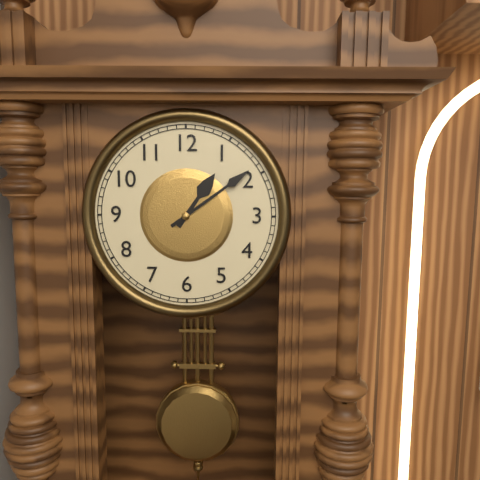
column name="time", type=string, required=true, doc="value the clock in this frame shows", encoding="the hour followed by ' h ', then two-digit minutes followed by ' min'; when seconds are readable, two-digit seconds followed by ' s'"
1 h 09 min
